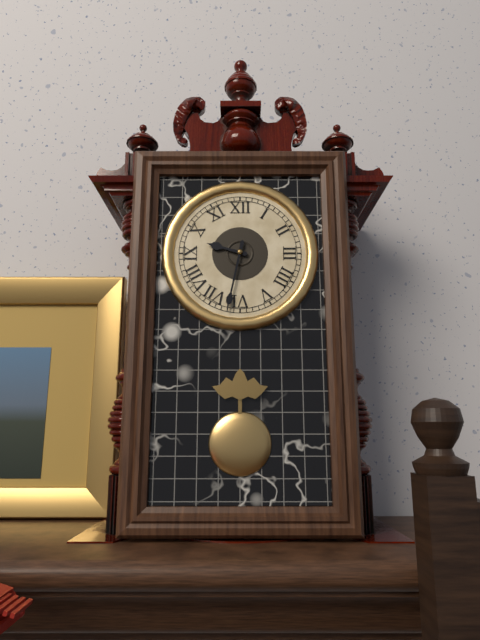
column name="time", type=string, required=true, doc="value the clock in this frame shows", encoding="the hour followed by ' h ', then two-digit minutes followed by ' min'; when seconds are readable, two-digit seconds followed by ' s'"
9 h 32 min
